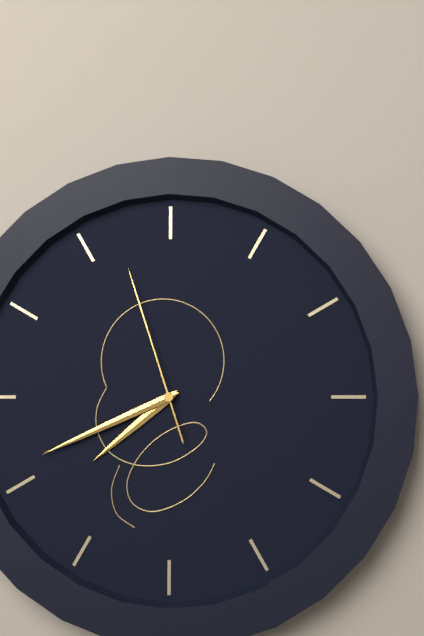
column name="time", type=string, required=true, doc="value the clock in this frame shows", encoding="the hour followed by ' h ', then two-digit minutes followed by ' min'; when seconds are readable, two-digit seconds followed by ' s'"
7 h 41 min 57 s
